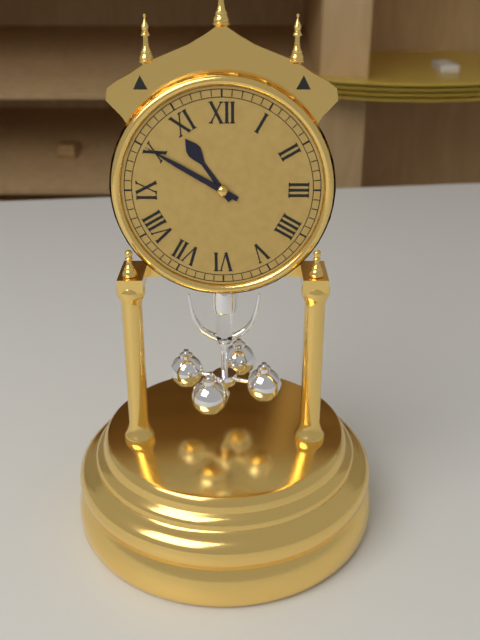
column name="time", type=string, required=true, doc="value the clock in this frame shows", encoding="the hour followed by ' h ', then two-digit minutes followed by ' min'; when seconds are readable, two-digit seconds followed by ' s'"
10 h 50 min
